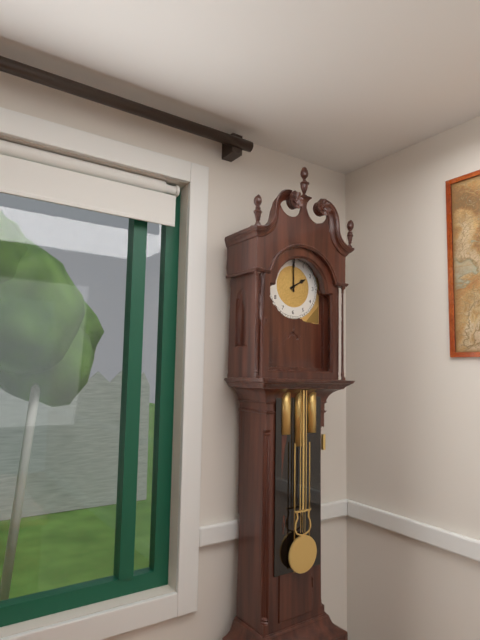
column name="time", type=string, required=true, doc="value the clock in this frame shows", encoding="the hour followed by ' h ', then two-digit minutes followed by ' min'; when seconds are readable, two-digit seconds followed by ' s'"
2 h 00 min
